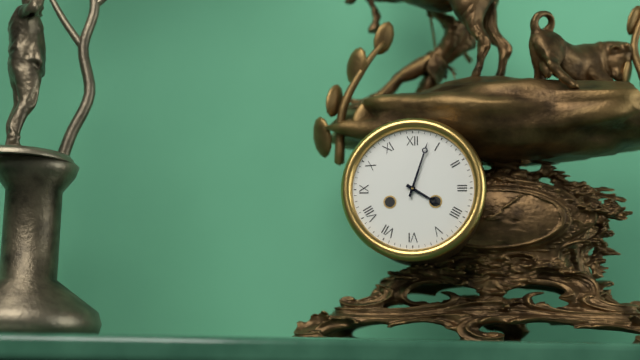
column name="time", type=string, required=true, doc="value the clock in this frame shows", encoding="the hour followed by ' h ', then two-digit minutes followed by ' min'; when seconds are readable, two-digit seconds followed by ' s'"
4 h 03 min
